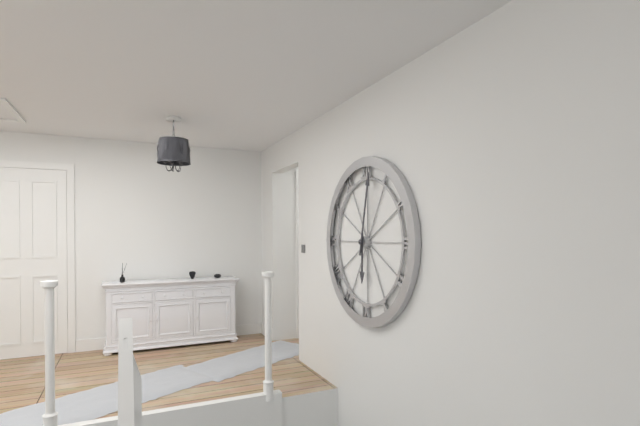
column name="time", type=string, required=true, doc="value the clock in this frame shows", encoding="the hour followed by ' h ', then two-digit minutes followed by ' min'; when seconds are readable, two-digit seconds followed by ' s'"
6 h 02 min
